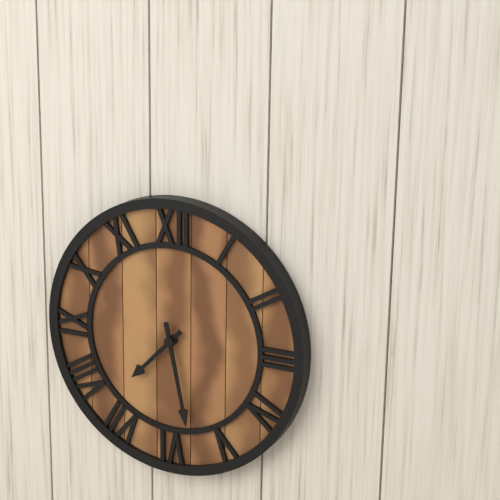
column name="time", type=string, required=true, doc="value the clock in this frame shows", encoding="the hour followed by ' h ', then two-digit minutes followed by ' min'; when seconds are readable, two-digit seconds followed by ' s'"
7 h 28 min
